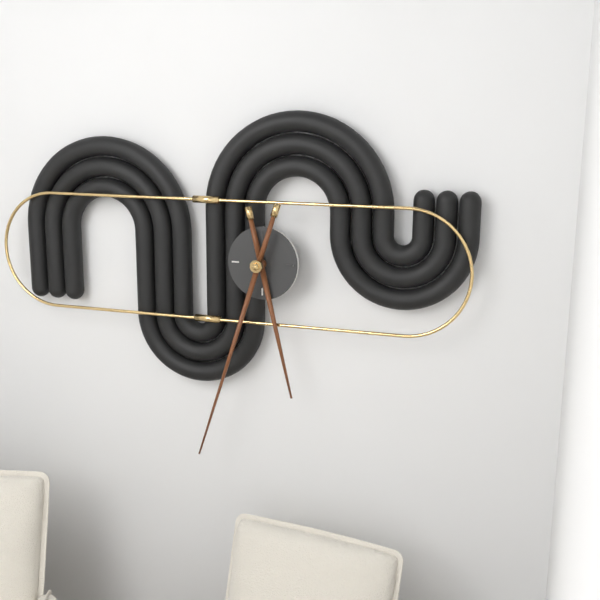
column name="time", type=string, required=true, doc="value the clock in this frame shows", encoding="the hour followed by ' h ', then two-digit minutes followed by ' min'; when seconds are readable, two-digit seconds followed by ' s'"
5 h 33 min
